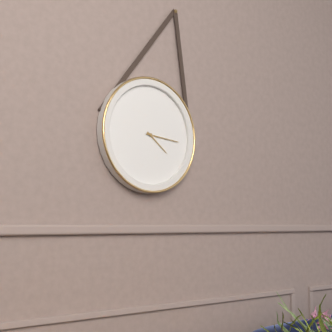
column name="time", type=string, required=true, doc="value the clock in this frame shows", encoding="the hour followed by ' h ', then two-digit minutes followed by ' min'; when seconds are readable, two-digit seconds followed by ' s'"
4 h 16 min
